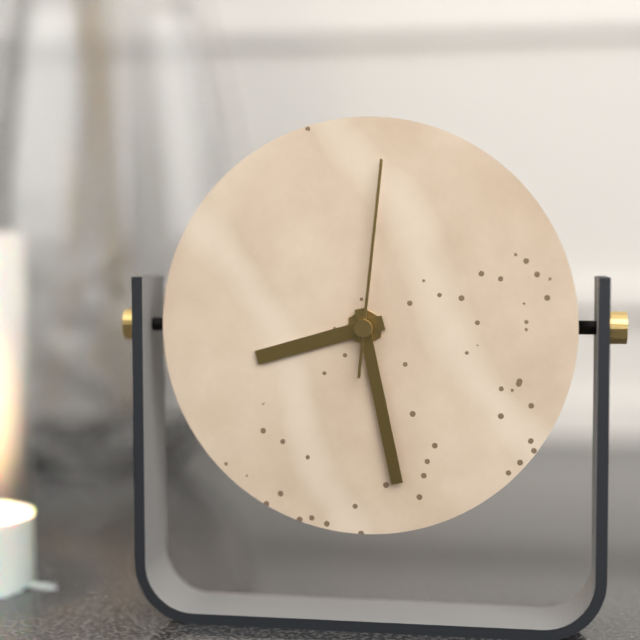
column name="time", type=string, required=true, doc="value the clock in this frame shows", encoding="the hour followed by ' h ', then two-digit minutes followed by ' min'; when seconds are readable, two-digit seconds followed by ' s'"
8 h 28 min 01 s
